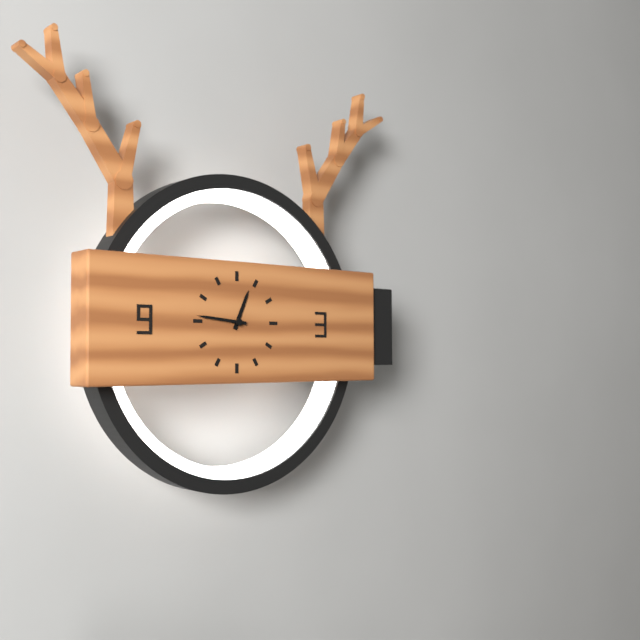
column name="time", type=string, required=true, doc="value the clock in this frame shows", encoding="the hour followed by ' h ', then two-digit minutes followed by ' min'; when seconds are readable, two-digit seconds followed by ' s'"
12 h 46 min
